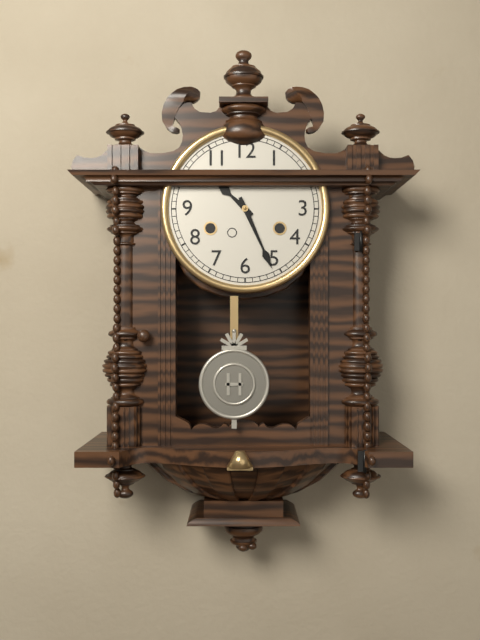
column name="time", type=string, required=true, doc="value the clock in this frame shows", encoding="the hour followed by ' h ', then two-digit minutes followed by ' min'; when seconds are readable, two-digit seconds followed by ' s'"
10 h 26 min
